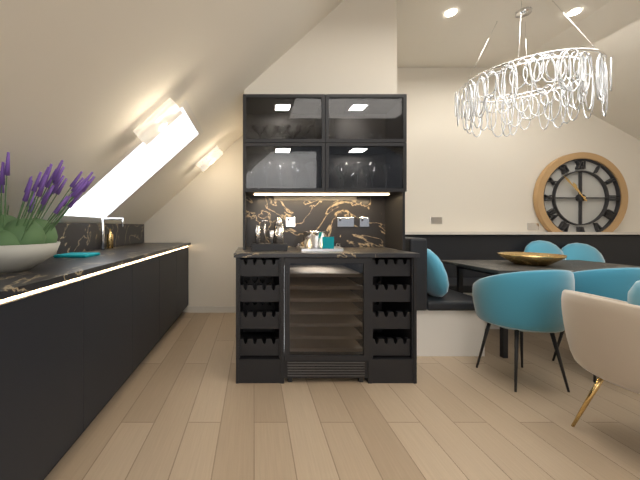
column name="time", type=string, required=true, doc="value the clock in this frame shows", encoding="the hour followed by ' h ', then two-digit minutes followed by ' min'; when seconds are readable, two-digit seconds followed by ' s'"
10 h 53 min
